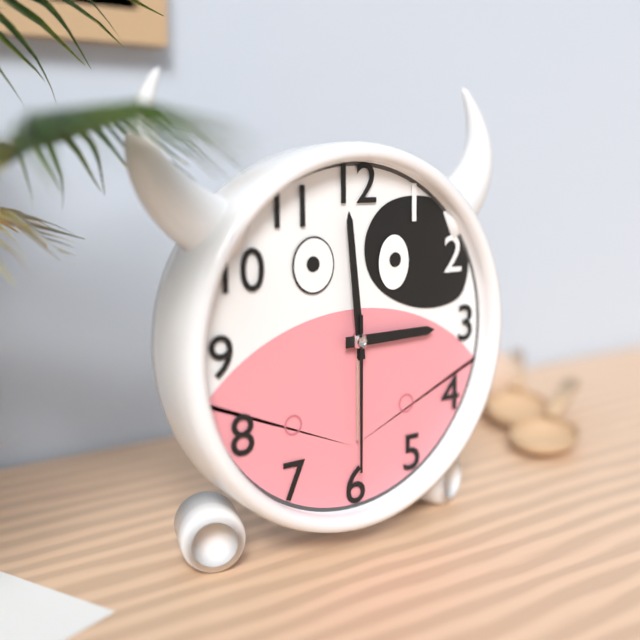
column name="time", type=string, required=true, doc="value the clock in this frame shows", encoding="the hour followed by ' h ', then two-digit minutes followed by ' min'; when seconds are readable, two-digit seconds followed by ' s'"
2 h 59 min 30 s
